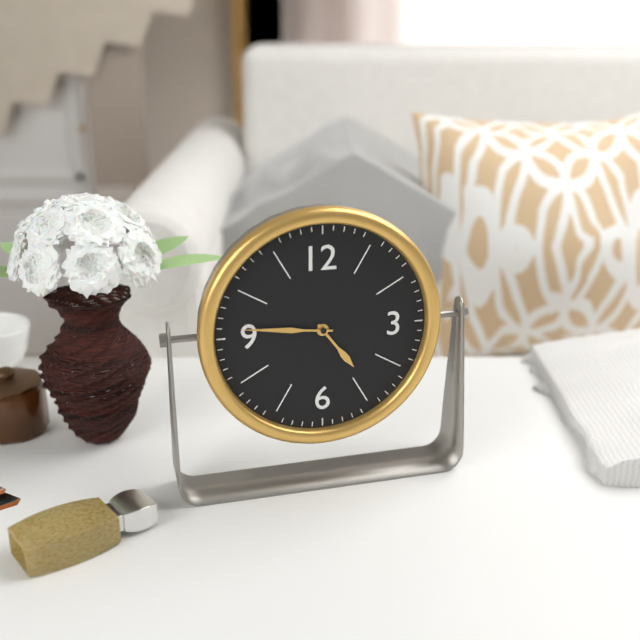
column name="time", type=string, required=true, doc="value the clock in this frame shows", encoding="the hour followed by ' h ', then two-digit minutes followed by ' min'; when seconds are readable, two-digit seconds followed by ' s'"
4 h 46 min
